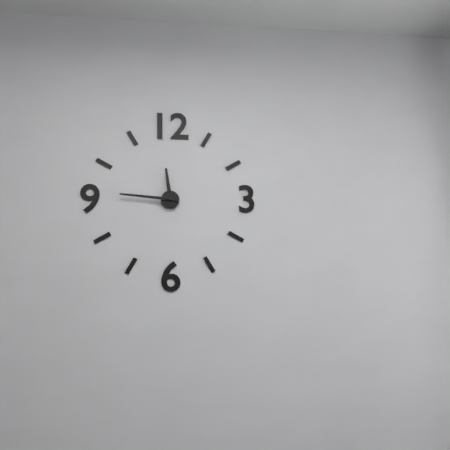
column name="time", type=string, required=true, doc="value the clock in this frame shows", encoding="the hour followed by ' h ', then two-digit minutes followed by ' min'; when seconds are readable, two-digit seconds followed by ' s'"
11 h 46 min
